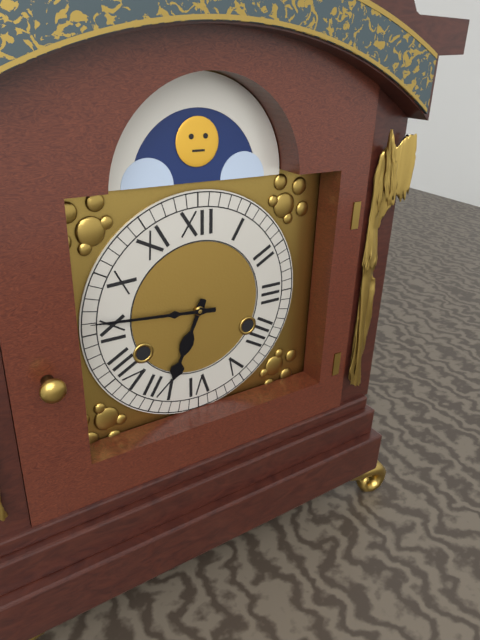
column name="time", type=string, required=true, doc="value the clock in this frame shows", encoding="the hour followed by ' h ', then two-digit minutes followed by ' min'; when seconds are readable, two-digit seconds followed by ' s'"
6 h 46 min
